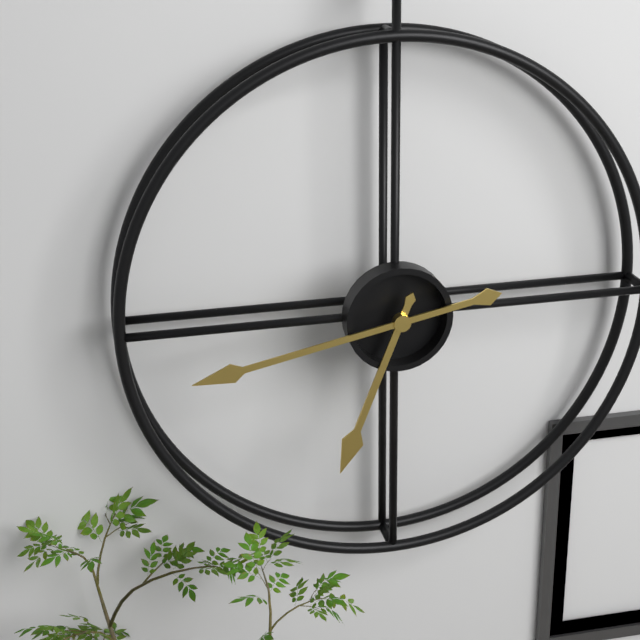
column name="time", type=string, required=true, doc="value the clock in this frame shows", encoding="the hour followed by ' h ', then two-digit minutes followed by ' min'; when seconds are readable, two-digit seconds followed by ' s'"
6 h 43 min
